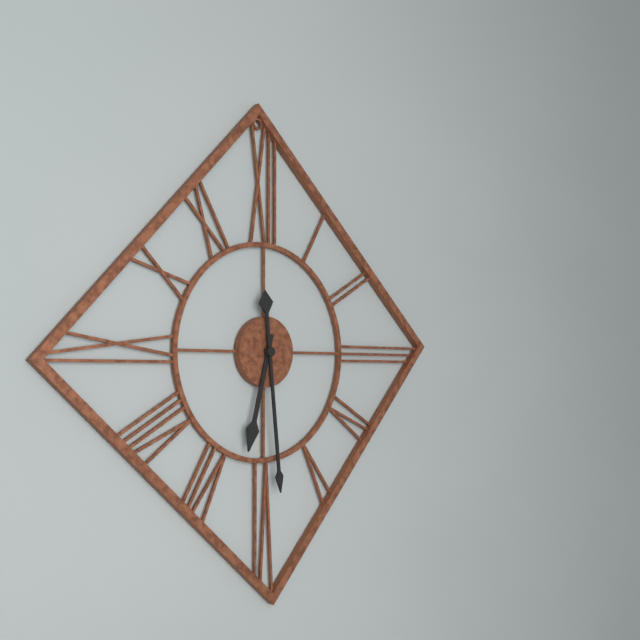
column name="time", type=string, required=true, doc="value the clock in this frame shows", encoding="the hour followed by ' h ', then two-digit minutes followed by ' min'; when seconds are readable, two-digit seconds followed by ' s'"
6 h 29 min
